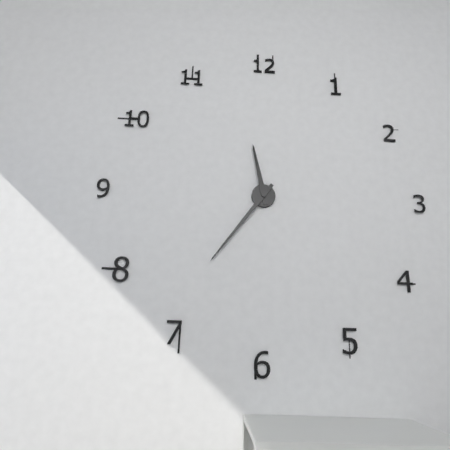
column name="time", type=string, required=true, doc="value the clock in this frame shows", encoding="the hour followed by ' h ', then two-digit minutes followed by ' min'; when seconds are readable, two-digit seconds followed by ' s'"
11 h 36 min
